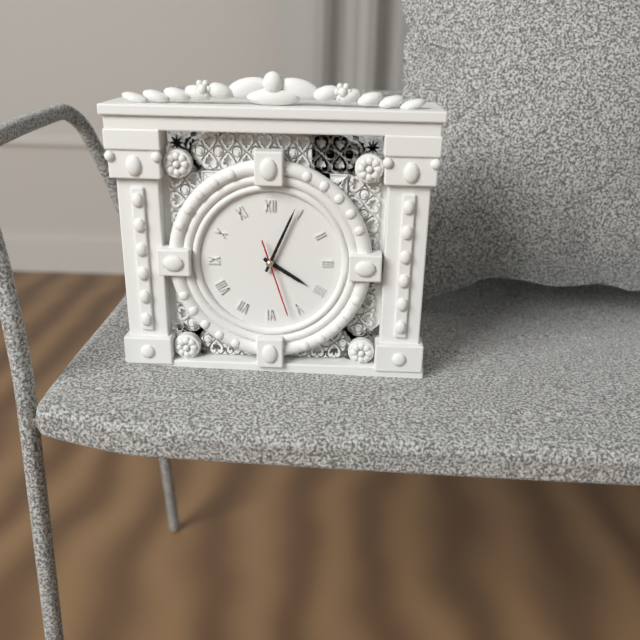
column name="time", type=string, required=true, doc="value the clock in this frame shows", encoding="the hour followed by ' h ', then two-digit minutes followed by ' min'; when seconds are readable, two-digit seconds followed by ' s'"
4 h 04 min 27 s
